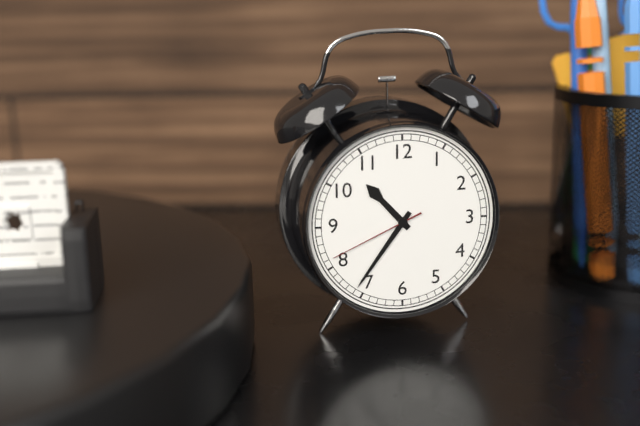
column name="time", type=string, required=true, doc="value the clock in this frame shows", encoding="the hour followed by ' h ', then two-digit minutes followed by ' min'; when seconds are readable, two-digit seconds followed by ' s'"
10 h 36 min 41 s
